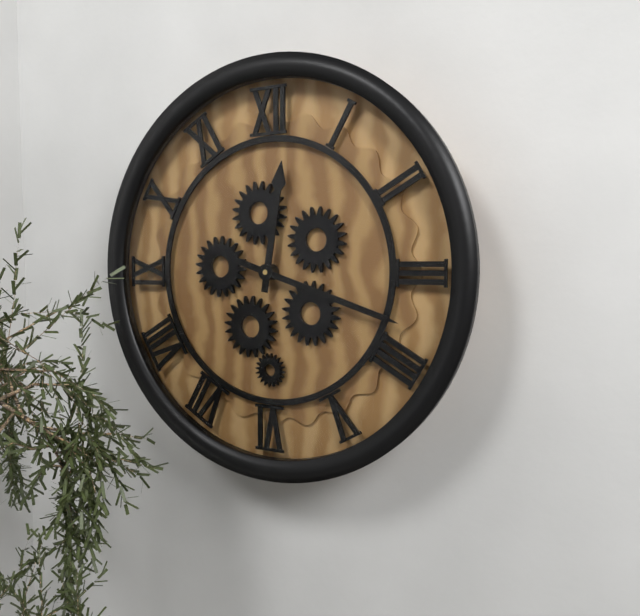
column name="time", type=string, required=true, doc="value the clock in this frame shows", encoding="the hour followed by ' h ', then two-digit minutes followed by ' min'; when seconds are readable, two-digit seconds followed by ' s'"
12 h 18 min
